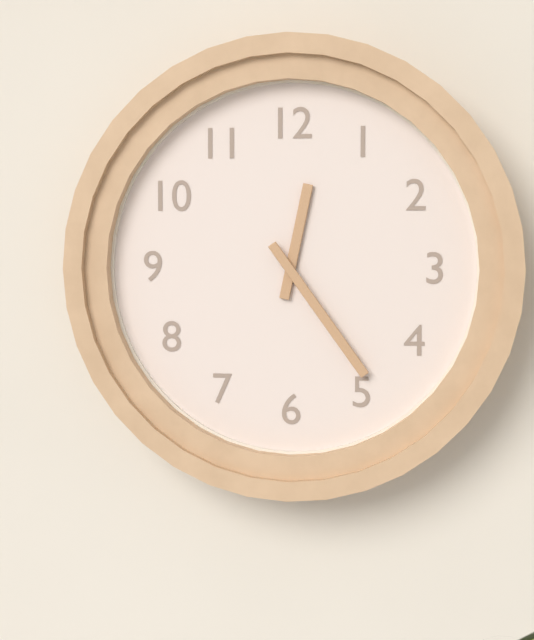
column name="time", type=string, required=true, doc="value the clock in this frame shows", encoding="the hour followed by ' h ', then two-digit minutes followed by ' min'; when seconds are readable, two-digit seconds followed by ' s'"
12 h 24 min
